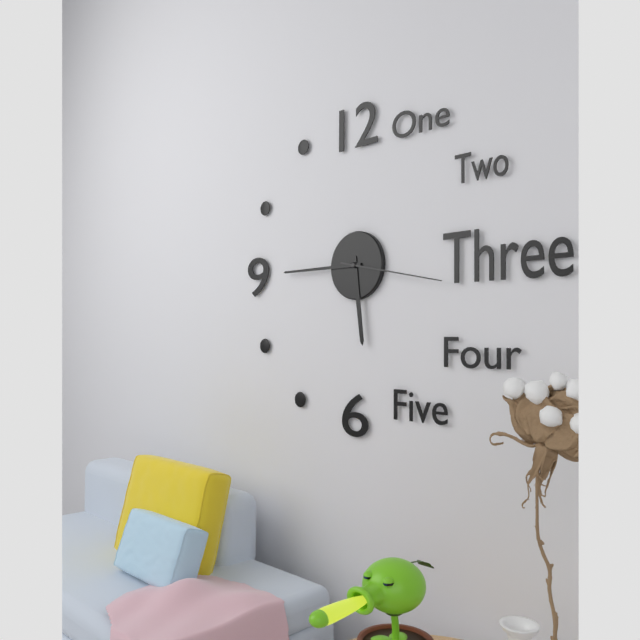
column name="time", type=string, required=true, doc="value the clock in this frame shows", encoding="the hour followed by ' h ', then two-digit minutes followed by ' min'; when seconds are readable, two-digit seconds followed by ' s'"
5 h 45 min 17 s
